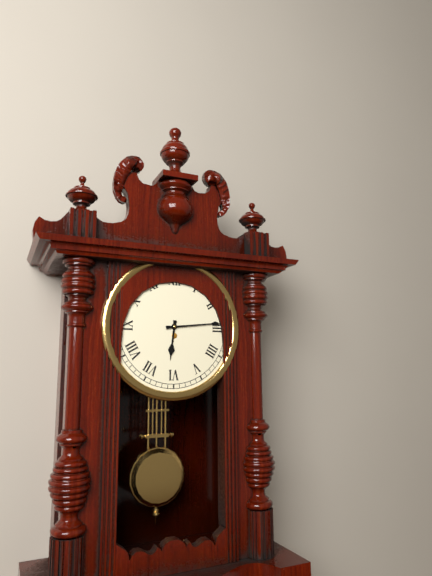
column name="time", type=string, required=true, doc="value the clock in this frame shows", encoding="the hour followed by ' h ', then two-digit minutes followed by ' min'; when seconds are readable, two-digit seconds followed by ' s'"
6 h 14 min
